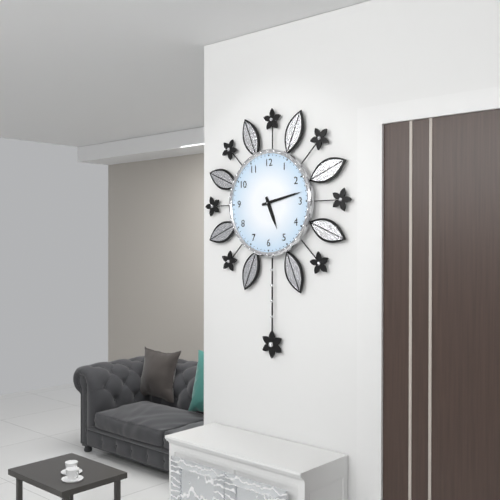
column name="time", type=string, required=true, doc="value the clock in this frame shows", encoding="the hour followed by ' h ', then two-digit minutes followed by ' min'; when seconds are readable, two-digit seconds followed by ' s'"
5 h 13 min
